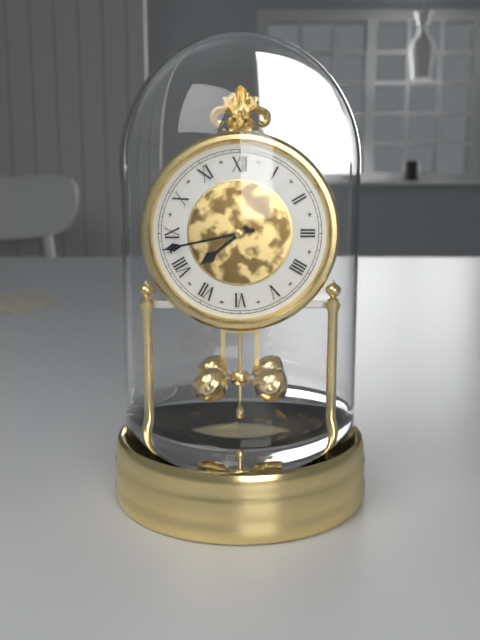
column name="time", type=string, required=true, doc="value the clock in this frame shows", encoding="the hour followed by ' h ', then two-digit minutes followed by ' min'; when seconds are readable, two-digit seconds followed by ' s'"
7 h 43 min
